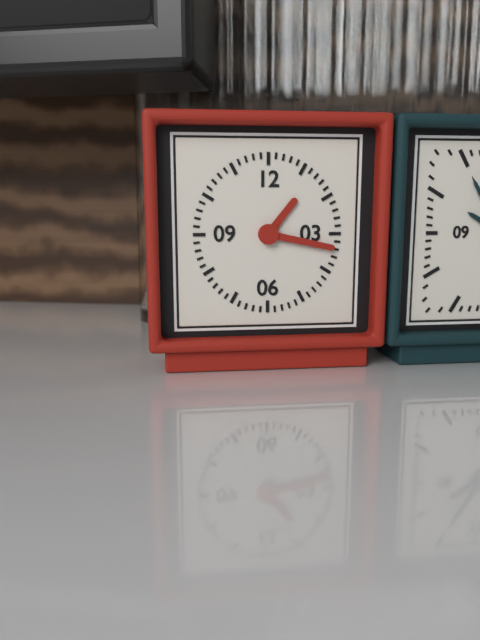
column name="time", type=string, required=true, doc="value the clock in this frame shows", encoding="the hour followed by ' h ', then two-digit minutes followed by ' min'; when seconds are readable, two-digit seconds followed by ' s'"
1 h 17 min
